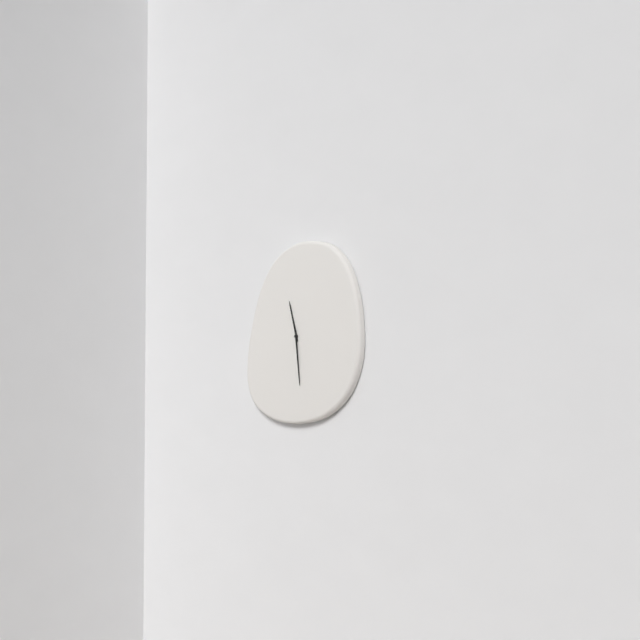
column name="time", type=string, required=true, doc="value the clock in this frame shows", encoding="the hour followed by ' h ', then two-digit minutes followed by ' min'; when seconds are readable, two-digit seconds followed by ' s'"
11 h 29 min
